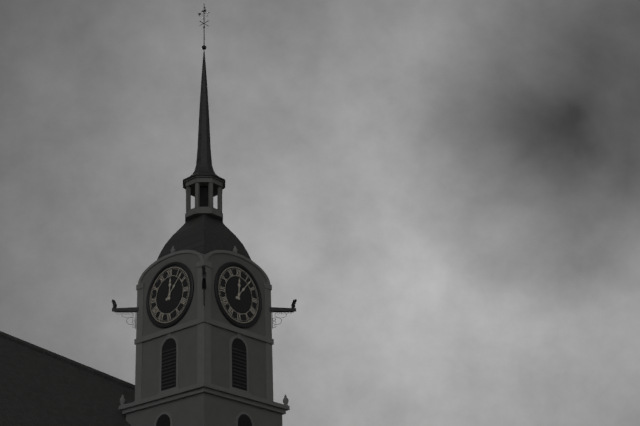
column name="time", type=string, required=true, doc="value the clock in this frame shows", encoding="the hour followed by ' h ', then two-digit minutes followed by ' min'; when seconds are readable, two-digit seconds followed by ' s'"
12 h 07 min
